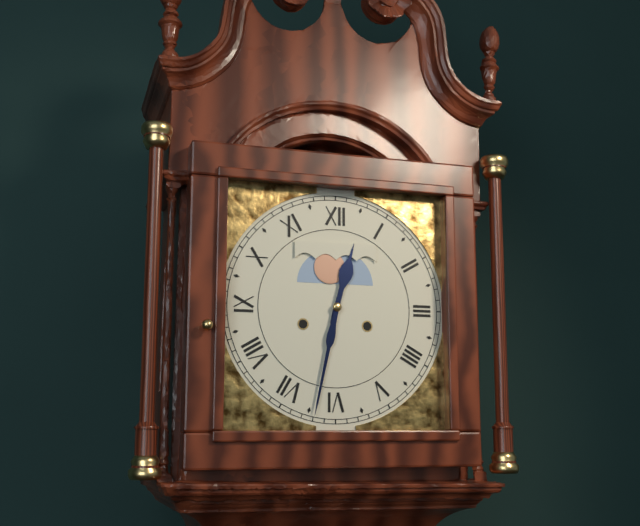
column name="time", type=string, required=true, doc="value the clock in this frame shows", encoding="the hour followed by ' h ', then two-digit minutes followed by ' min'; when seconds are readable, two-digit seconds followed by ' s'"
12 h 32 min
